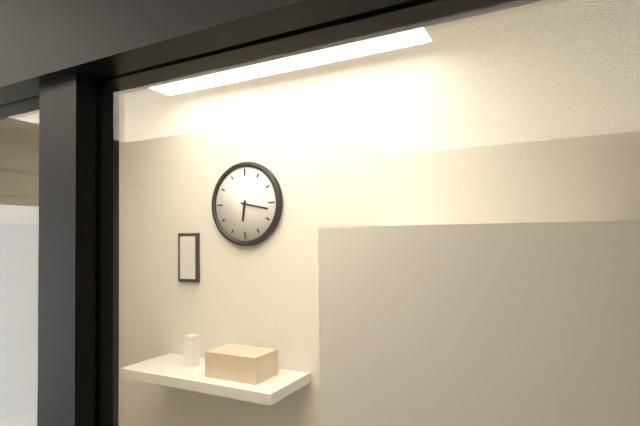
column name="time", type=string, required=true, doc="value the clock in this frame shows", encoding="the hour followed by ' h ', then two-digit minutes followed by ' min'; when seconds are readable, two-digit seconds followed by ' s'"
6 h 17 min
